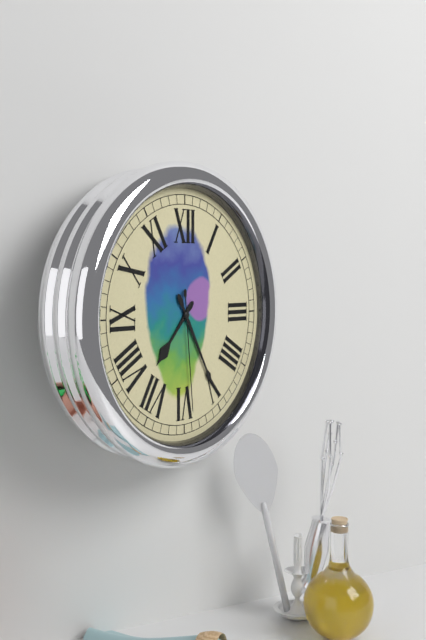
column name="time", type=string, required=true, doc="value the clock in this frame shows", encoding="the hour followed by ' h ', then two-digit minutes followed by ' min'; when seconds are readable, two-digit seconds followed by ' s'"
7 h 25 min 29 s
